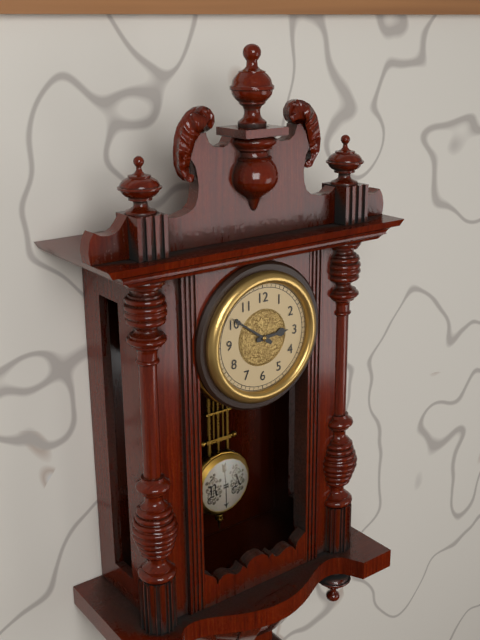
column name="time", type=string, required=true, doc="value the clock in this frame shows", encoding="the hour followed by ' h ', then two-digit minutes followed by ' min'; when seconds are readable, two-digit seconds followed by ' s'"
2 h 51 min
